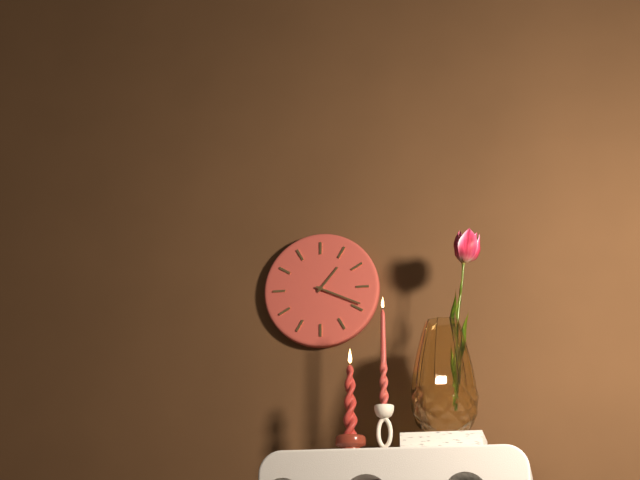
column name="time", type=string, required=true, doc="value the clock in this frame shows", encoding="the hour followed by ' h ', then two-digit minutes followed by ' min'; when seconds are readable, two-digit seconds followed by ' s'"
1 h 19 min
